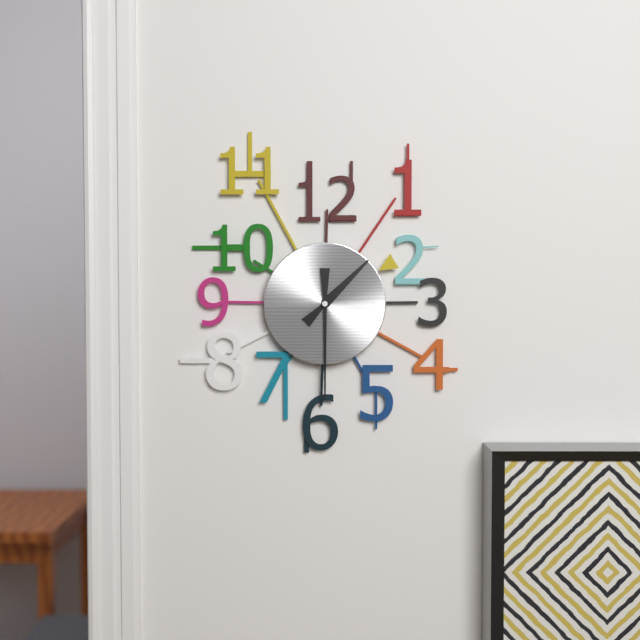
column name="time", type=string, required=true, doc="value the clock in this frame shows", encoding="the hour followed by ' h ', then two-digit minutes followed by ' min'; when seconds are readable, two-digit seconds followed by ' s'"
1 h 30 min
